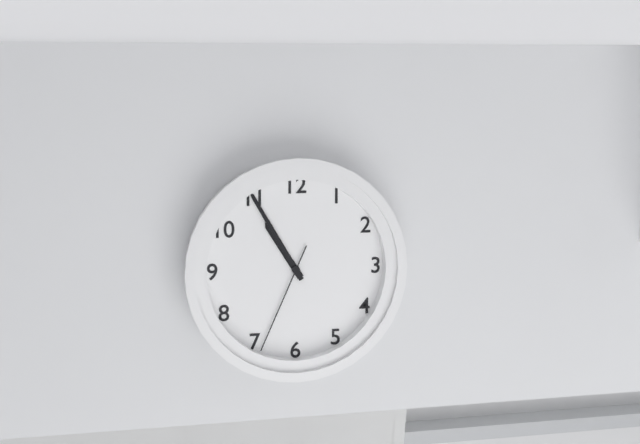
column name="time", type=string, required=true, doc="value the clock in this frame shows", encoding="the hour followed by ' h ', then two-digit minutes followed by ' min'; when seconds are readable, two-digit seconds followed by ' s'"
10 h 55 min 34 s
